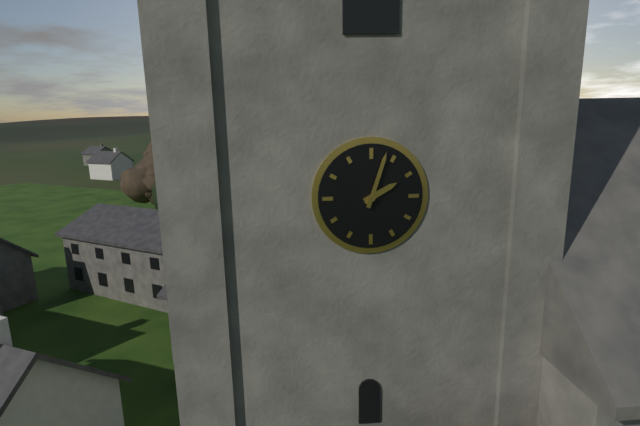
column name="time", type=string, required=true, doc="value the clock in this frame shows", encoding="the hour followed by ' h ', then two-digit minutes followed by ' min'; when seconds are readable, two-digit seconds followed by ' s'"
2 h 03 min
